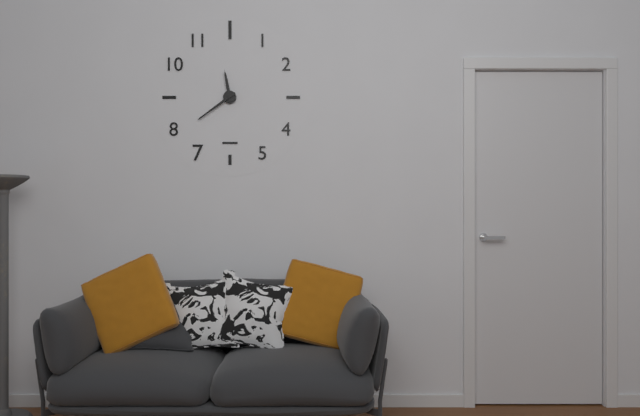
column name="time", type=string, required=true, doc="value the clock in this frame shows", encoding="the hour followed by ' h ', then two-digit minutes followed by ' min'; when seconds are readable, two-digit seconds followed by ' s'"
11 h 39 min
